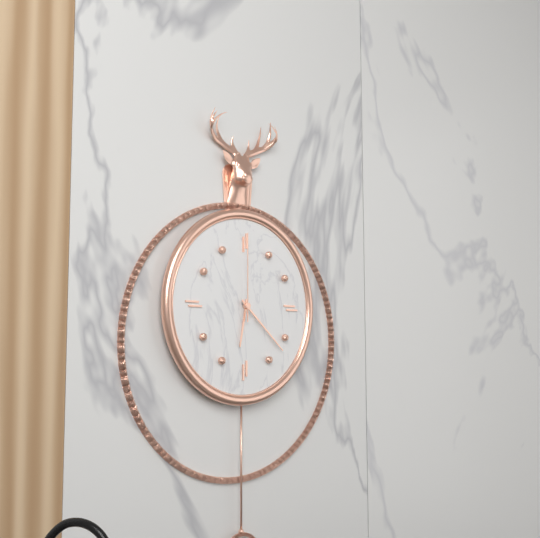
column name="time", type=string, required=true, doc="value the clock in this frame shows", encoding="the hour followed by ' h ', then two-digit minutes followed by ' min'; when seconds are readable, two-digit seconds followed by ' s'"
6 h 22 min 00 s
